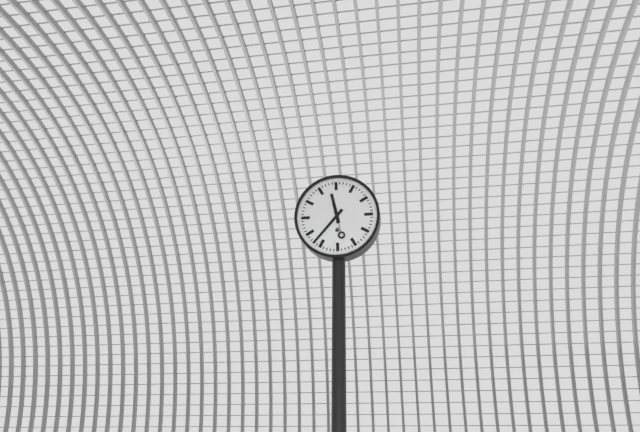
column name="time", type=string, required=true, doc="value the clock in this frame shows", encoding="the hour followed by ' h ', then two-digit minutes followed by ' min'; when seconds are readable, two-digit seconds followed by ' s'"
11 h 37 min
